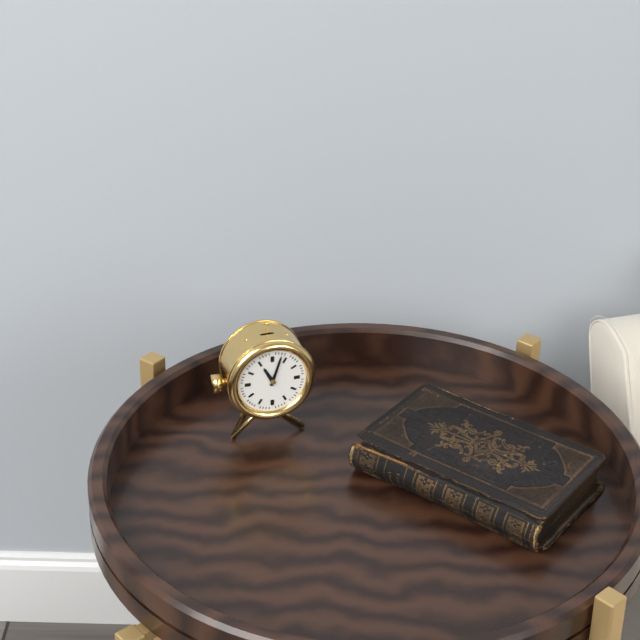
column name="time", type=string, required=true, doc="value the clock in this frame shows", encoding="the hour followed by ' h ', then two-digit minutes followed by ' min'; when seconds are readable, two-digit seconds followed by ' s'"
11 h 03 min
